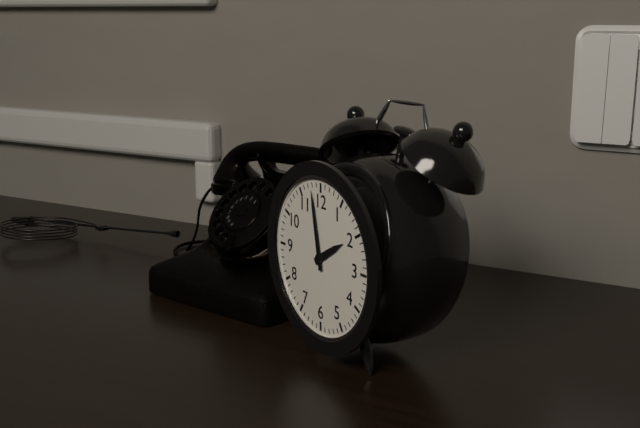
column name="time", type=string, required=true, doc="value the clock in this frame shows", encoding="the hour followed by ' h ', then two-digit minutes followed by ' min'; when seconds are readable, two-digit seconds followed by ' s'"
1 h 58 min
